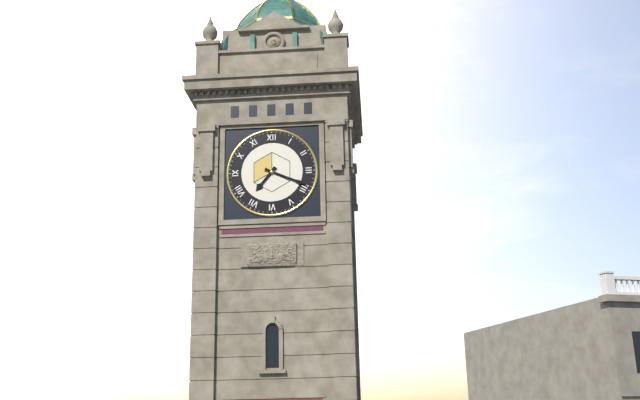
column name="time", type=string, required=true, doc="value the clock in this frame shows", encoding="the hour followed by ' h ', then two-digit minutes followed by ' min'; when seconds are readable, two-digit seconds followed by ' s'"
7 h 19 min
